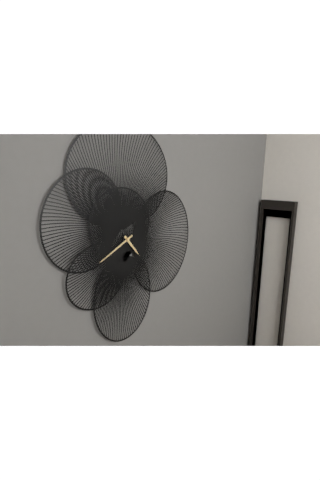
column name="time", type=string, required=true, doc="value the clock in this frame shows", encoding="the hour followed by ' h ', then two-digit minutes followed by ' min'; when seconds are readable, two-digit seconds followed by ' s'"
4 h 40 min
